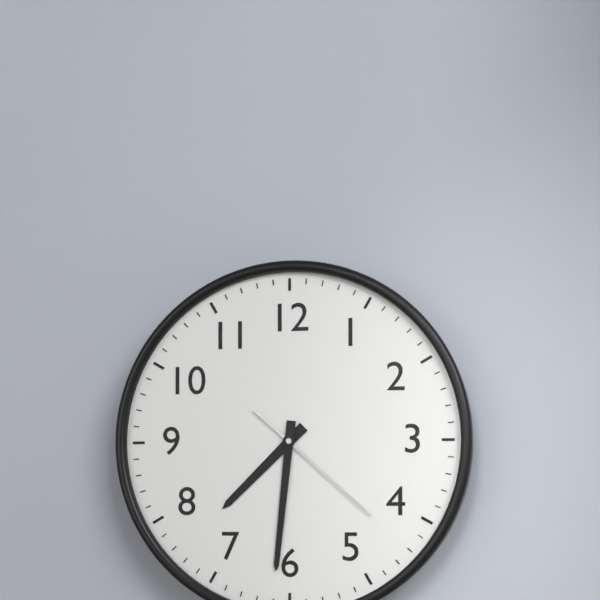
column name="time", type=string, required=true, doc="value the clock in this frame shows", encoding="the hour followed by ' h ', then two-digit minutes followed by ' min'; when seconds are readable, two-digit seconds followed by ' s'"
7 h 31 min 22 s
